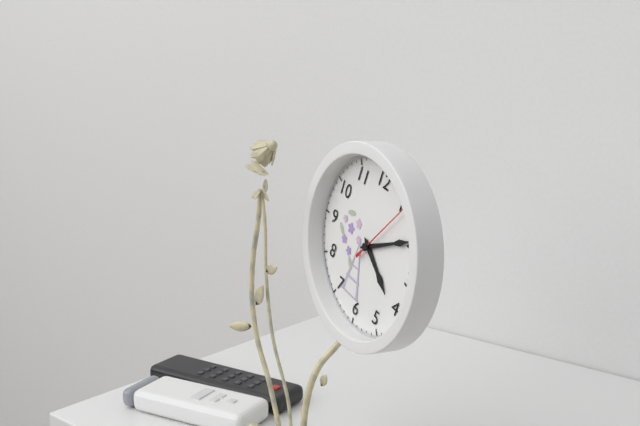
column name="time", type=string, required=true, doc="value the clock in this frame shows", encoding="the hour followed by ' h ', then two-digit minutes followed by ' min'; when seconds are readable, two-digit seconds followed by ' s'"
4 h 10 min 06 s
